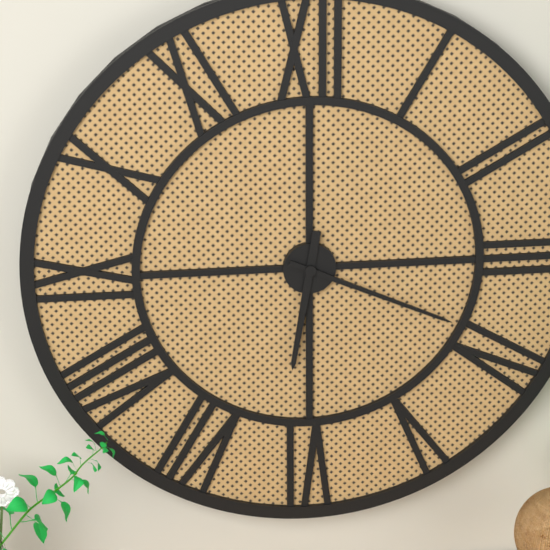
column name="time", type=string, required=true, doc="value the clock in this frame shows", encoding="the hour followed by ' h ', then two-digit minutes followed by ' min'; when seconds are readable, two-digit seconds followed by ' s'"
6 h 19 min
